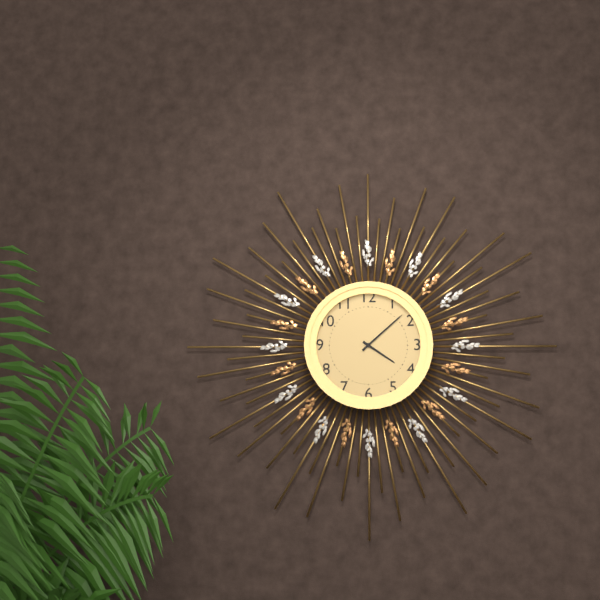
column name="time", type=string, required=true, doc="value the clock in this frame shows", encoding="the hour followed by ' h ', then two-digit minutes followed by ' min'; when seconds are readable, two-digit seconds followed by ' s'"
4 h 08 min
